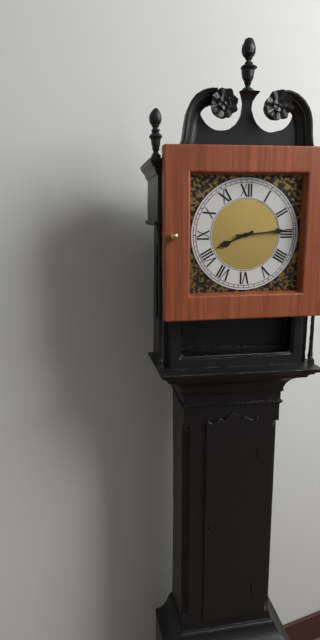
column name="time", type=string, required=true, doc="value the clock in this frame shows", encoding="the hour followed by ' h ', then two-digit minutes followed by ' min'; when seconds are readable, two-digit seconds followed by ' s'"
8 h 14 min
